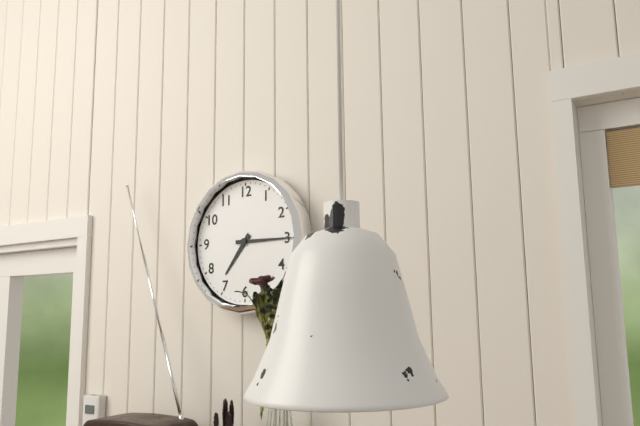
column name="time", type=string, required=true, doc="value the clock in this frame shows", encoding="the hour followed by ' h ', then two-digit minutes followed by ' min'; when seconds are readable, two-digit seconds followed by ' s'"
7 h 15 min
